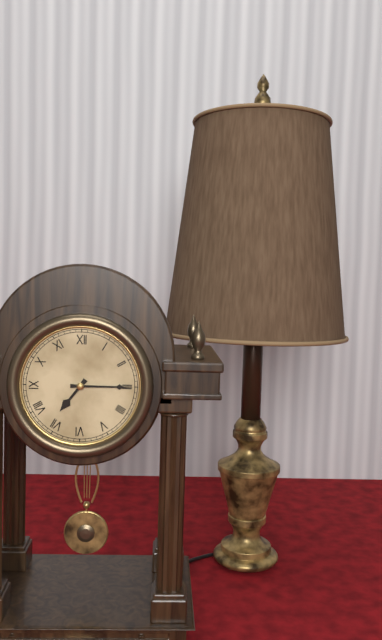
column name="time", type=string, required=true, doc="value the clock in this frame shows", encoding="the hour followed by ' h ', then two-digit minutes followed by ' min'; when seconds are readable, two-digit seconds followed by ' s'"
7 h 15 min
